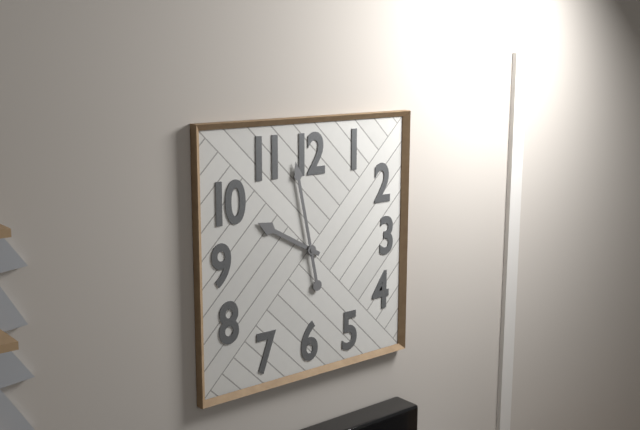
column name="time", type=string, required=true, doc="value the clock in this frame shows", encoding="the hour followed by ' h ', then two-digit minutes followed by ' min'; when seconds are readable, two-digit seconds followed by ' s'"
9 h 58 min
